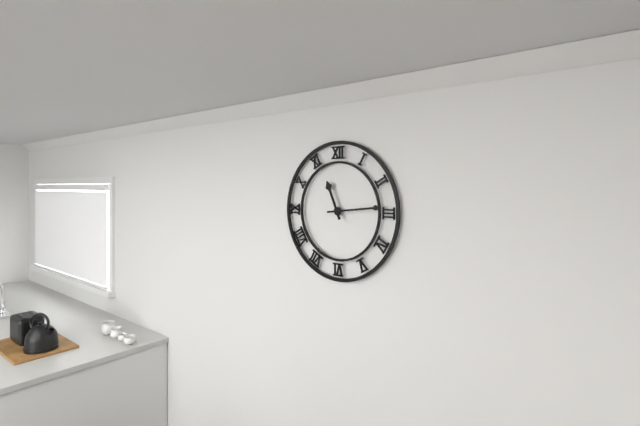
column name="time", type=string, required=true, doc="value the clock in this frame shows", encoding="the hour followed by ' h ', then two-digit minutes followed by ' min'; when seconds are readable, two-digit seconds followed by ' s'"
11 h 14 min
